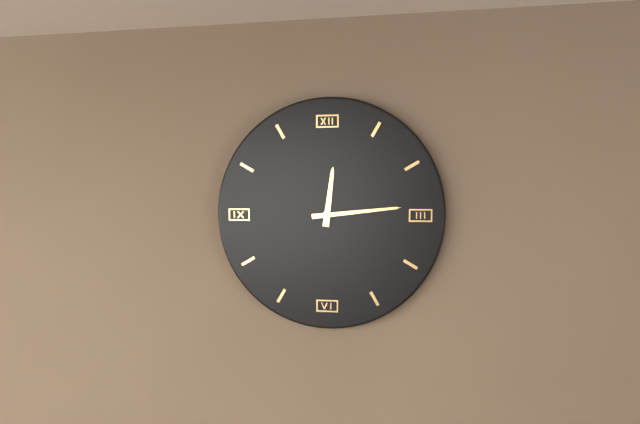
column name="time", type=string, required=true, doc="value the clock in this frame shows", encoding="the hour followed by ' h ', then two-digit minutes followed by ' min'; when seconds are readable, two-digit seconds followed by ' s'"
12 h 14 min
